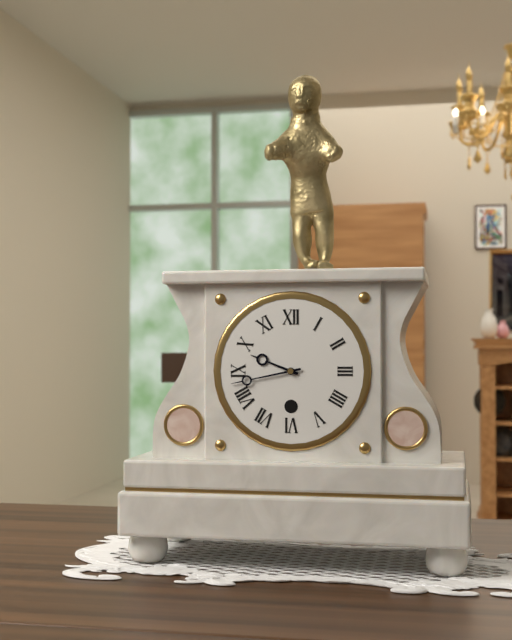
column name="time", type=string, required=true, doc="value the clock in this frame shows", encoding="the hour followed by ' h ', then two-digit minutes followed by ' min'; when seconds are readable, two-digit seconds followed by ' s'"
9 h 43 min
